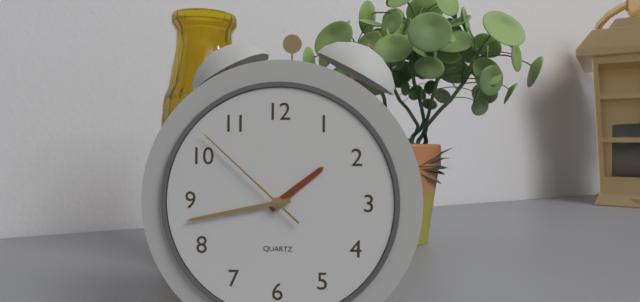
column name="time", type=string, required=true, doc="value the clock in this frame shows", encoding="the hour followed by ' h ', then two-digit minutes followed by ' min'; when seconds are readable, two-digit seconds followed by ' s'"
1 h 43 min 52 s
